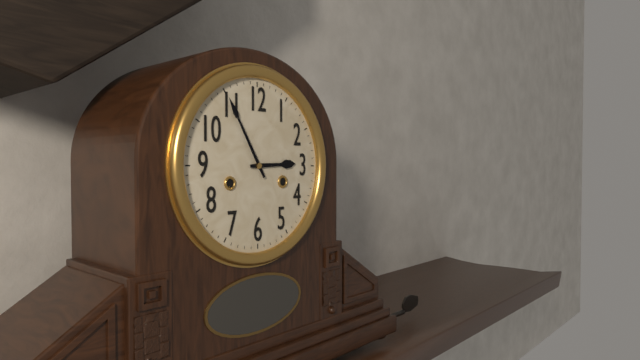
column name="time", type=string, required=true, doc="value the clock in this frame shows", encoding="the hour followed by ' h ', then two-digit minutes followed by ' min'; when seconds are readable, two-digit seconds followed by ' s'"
2 h 55 min
